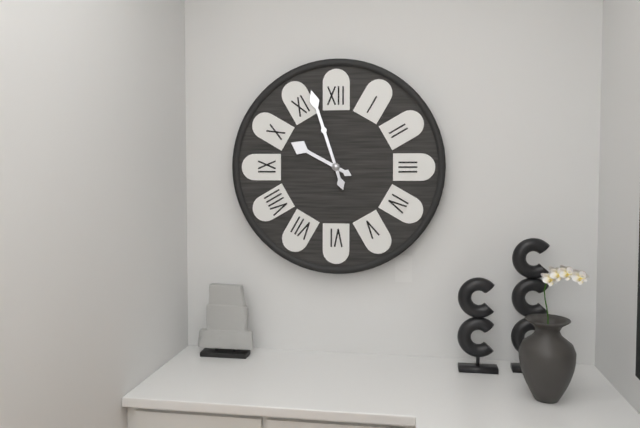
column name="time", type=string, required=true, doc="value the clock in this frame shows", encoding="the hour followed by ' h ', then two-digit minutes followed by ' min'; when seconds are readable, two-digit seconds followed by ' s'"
9 h 57 min
